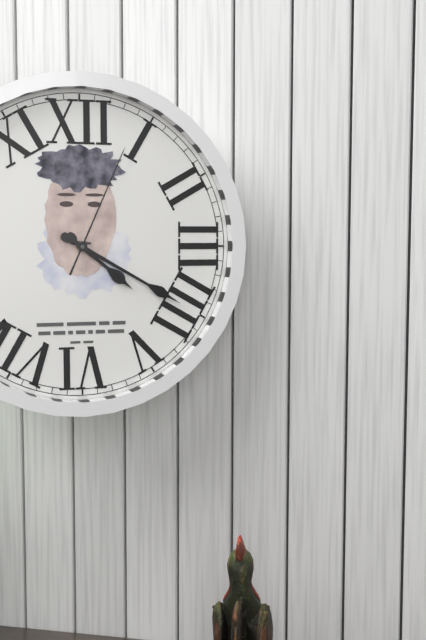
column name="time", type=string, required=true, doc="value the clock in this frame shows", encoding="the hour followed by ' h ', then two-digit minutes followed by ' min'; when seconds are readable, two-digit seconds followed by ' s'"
4 h 20 min 04 s
